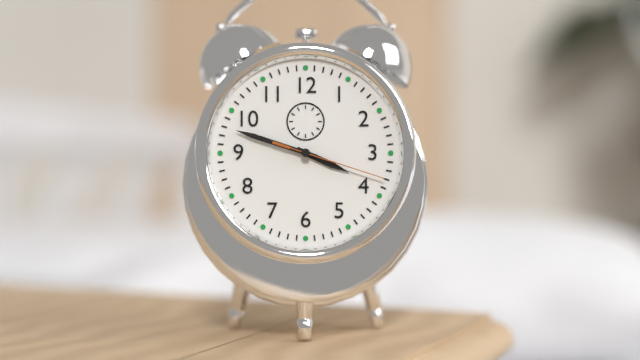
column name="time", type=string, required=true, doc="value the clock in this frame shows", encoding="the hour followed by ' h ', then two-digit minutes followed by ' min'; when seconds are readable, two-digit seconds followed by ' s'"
3 h 48 min 18 s
